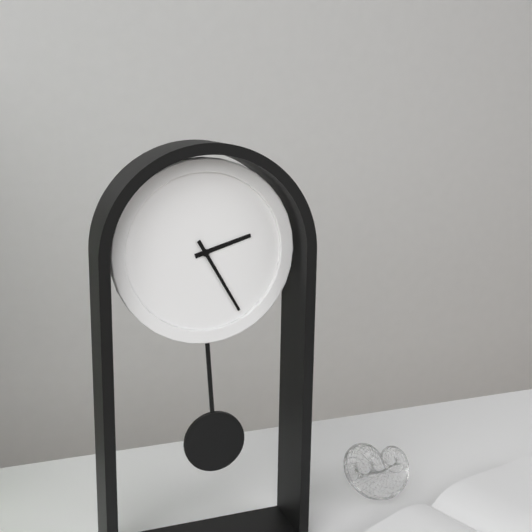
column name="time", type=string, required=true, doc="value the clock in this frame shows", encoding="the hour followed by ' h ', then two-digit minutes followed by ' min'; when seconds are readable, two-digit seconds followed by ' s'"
2 h 25 min
